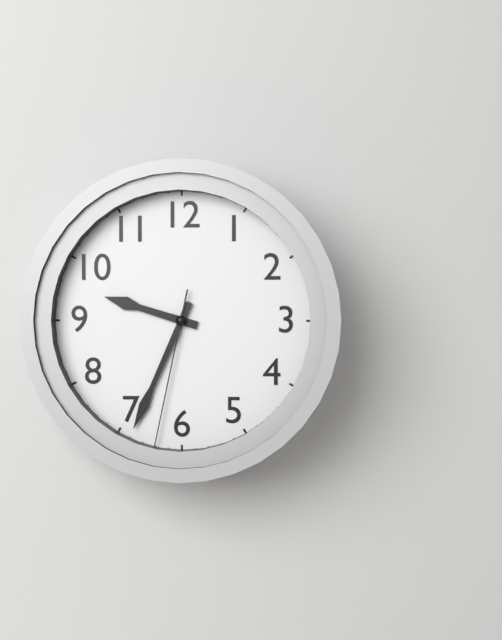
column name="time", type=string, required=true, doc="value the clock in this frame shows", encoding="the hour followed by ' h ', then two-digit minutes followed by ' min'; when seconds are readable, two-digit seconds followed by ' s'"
9 h 34 min 32 s
